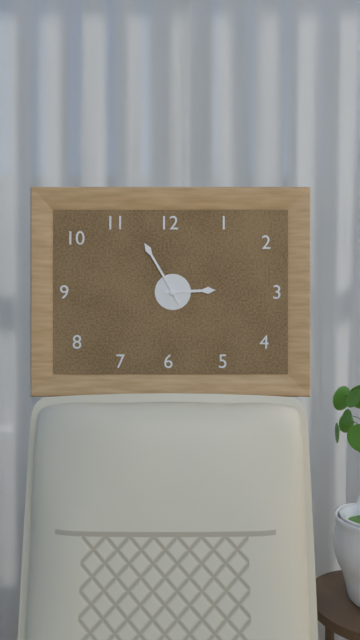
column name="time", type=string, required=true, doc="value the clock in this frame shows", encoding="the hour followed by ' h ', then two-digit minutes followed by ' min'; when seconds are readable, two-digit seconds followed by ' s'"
2 h 55 min
